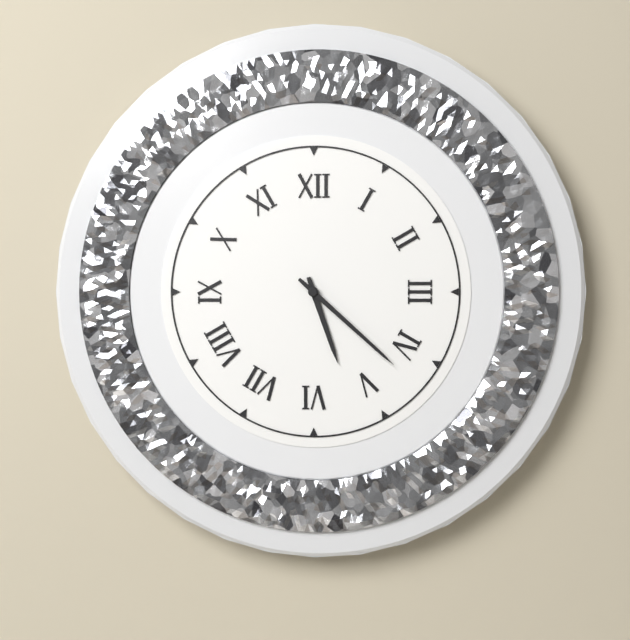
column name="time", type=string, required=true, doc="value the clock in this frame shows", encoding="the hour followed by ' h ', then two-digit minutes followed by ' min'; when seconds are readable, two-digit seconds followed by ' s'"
5 h 22 min
